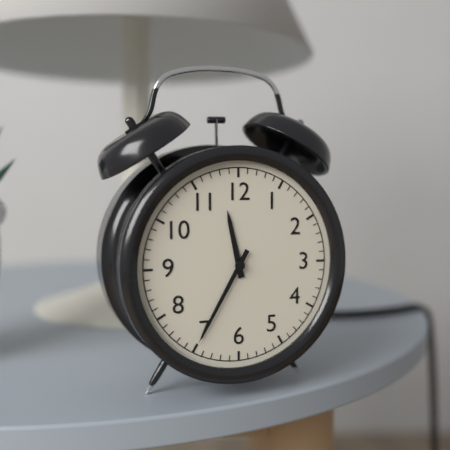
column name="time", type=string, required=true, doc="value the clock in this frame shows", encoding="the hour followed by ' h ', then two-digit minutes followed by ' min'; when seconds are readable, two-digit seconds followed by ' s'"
11 h 35 min
